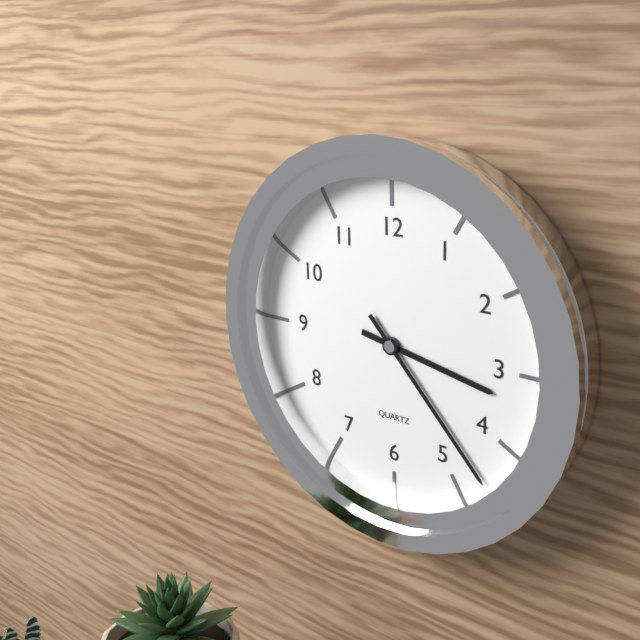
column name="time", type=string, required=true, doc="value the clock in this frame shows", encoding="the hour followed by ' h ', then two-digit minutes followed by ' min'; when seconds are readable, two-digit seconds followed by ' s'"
3 h 23 min
